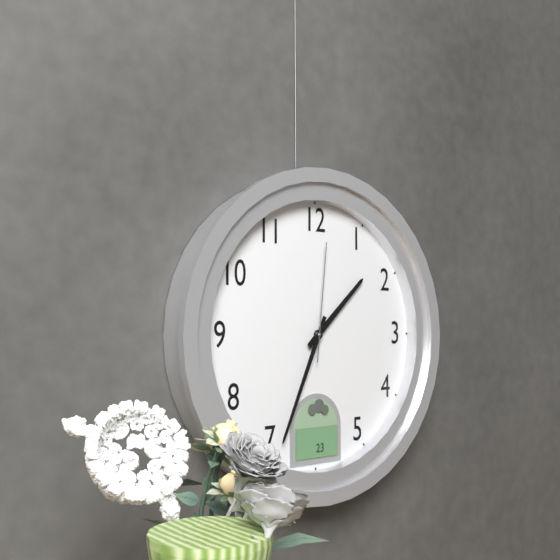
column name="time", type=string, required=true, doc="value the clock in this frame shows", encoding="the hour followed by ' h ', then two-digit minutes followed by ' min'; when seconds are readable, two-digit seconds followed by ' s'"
1 h 34 min 01 s
